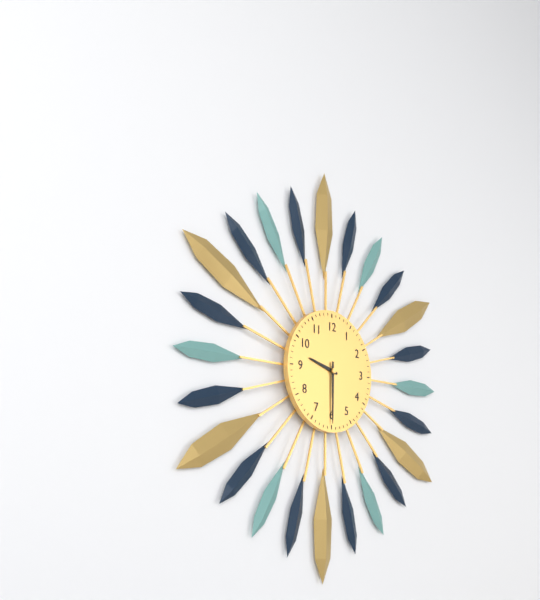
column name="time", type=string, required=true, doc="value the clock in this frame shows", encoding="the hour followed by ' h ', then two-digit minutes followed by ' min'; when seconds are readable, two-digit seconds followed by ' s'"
9 h 30 min
